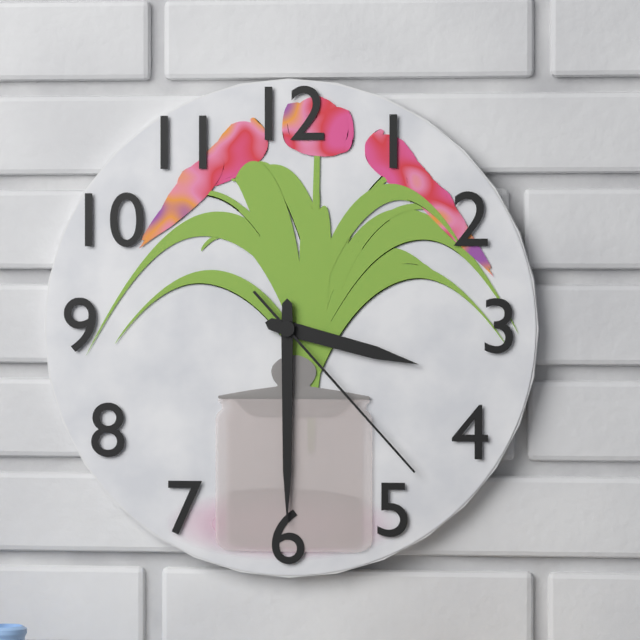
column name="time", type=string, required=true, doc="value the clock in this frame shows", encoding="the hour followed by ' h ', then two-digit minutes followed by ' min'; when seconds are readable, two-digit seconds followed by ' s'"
3 h 30 min 23 s
